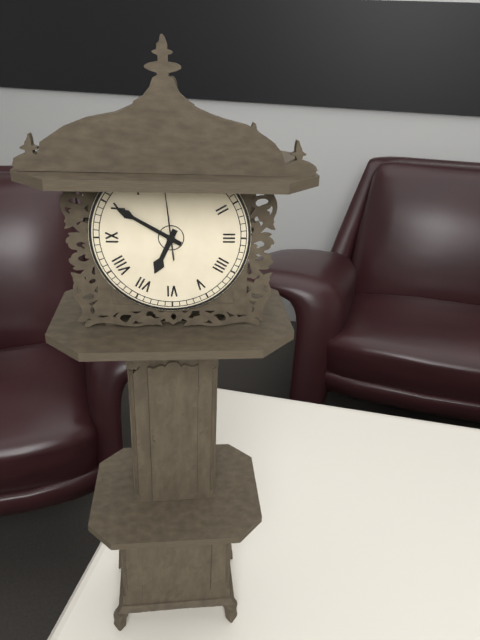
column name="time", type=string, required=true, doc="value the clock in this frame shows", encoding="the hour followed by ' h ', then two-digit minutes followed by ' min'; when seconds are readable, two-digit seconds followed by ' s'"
6 h 50 min
